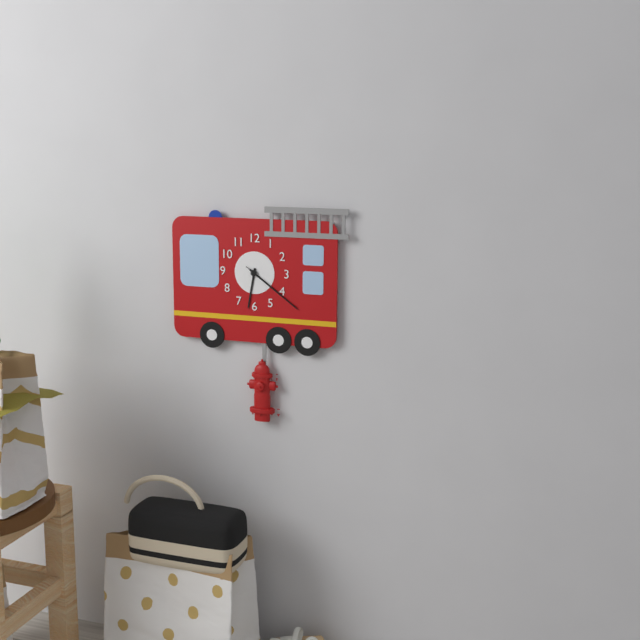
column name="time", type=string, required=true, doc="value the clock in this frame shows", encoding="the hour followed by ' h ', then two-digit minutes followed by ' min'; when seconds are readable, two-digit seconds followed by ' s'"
6 h 21 min 21 s
